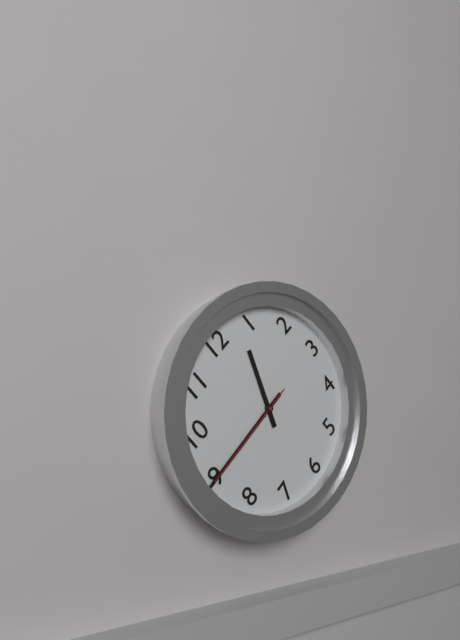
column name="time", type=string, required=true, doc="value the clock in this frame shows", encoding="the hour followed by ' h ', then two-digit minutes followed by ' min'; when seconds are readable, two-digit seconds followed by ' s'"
12 h 45 min 45 s
